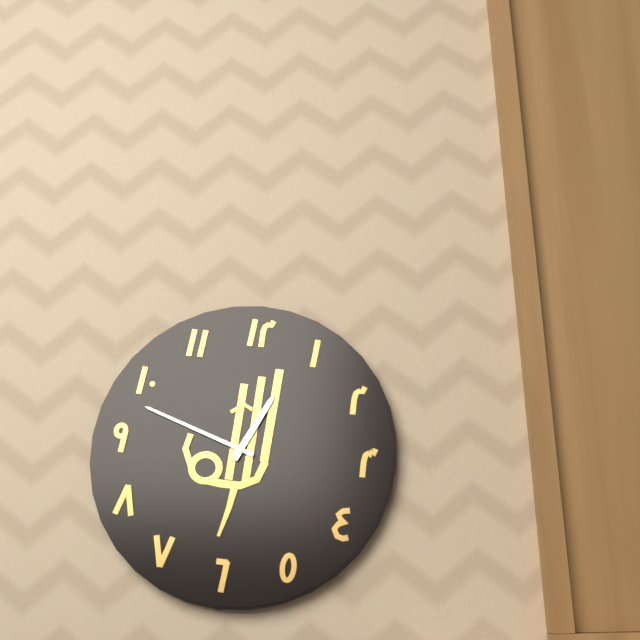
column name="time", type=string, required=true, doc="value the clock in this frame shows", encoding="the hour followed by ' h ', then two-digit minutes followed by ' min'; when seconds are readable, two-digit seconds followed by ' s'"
12 h 48 min
